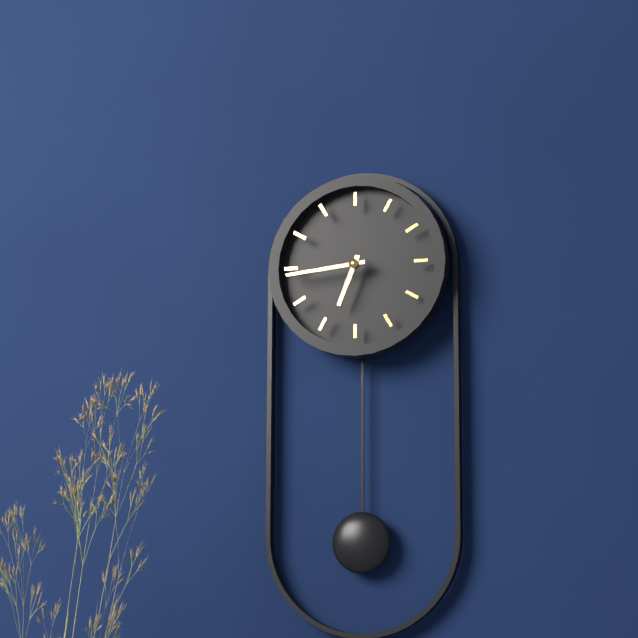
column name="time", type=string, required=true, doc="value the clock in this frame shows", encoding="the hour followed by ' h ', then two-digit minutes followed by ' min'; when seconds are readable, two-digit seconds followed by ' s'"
6 h 44 min
